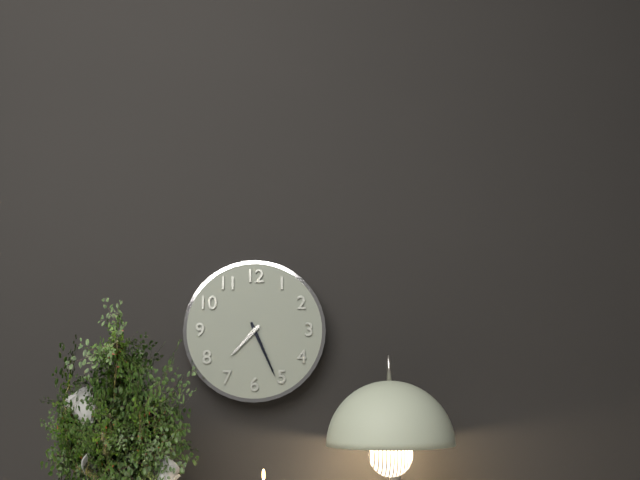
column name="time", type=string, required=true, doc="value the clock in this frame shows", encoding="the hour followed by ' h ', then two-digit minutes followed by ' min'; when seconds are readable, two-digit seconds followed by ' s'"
7 h 26 min
